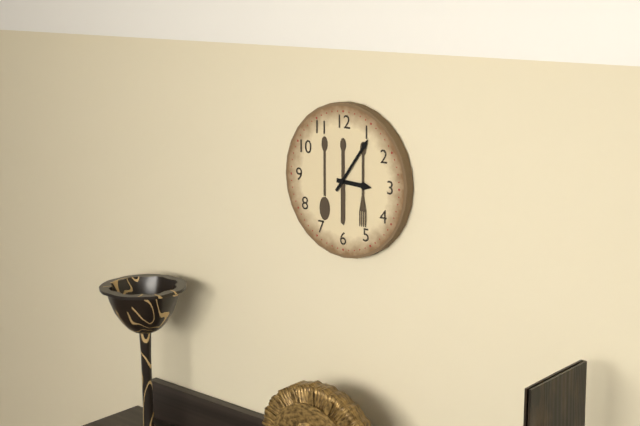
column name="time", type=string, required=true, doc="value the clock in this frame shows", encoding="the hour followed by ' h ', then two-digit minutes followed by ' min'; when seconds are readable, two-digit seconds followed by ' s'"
3 h 06 min
